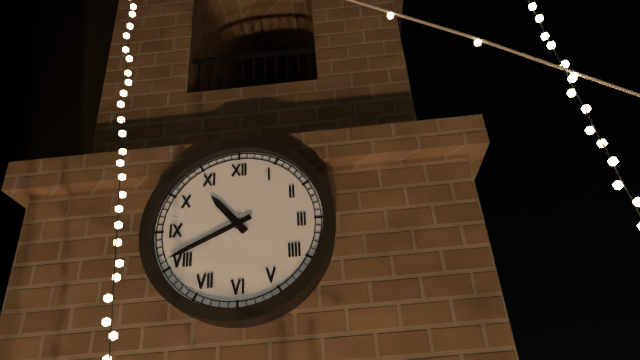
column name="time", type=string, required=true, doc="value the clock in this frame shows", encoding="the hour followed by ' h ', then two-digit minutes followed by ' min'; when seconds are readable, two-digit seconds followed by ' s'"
10 h 41 min
